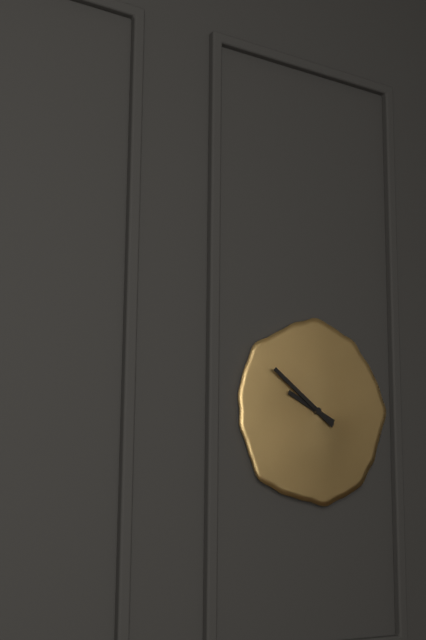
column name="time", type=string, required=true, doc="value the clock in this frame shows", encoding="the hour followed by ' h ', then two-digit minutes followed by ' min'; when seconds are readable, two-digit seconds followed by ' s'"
9 h 51 min
